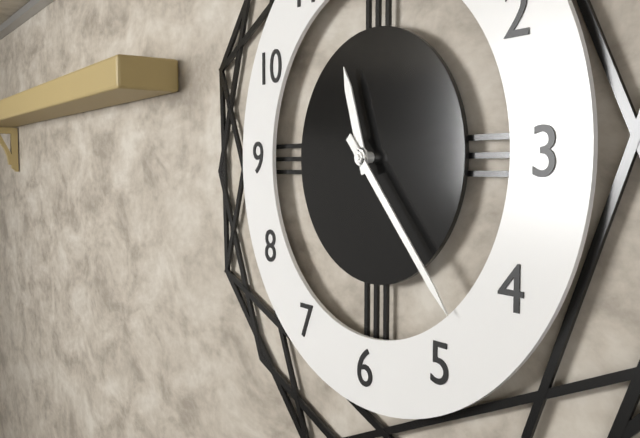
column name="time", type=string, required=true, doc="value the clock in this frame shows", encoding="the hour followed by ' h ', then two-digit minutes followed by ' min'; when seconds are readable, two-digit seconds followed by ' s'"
11 h 23 min
